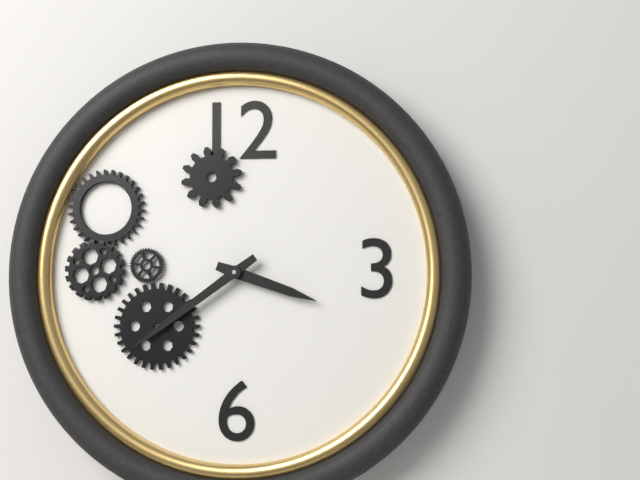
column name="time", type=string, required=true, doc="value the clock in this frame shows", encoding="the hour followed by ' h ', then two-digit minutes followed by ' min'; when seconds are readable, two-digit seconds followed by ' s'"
3 h 39 min
